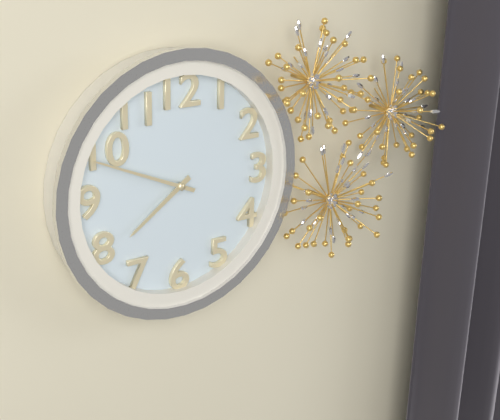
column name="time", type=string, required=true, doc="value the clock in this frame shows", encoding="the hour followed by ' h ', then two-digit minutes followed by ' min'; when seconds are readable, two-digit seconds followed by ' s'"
7 h 49 min
